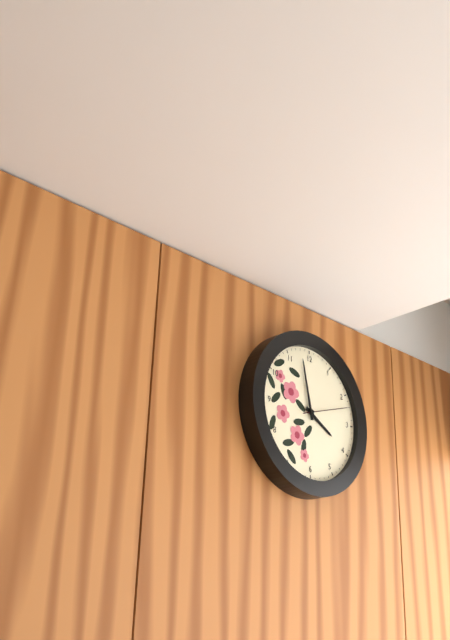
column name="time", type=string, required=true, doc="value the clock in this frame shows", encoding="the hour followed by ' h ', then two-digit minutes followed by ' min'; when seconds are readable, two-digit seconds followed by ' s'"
3 h 58 min
